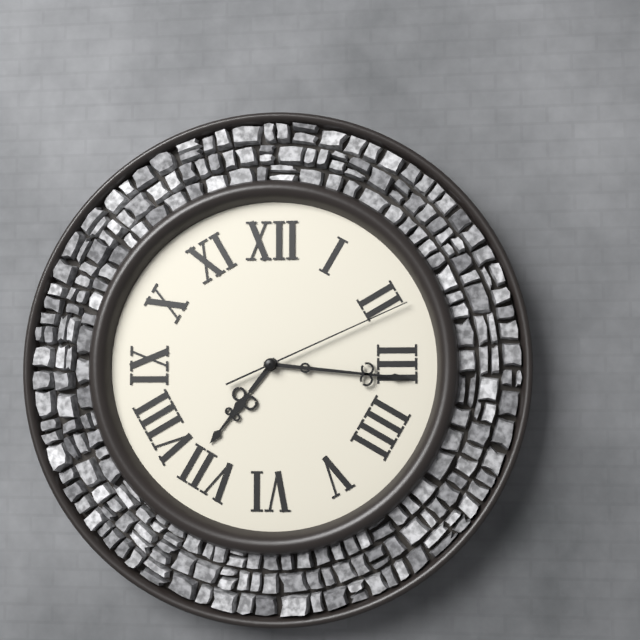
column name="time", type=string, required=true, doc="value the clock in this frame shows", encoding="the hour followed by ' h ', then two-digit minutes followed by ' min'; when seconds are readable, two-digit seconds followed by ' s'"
7 h 16 min 11 s
